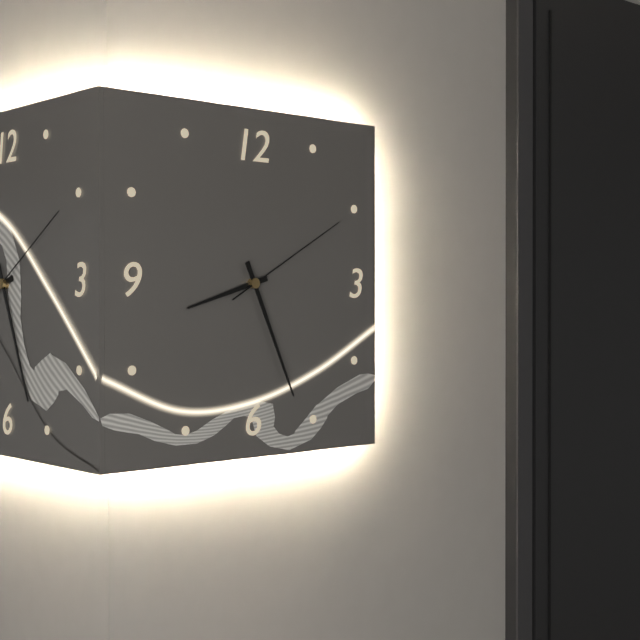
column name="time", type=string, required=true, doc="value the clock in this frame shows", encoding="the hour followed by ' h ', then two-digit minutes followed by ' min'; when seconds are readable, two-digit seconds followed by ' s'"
8 h 26 min 10 s
